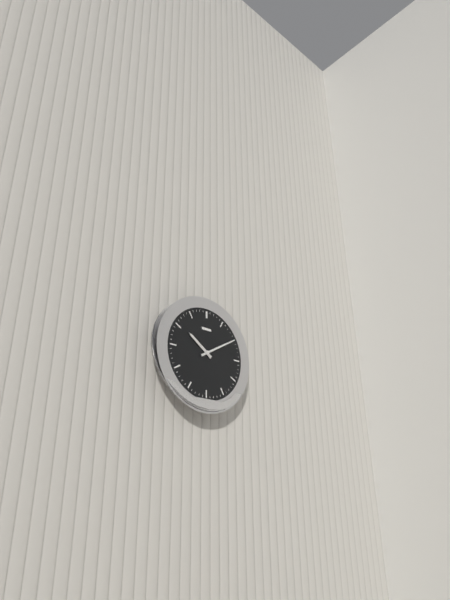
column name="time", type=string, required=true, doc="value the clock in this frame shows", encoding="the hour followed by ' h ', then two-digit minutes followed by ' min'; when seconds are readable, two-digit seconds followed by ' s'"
10 h 10 min
